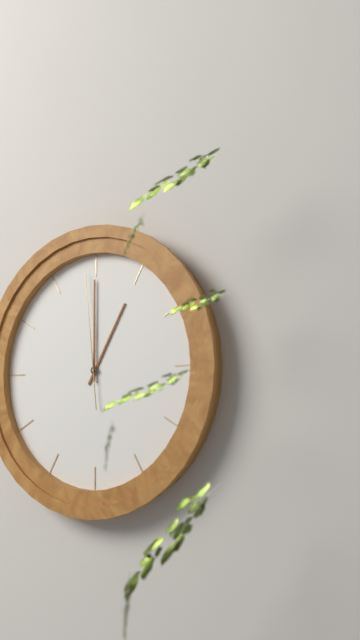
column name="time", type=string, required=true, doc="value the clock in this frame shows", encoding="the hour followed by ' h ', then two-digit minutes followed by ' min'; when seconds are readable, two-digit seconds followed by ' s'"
1 h 00 min 59 s
